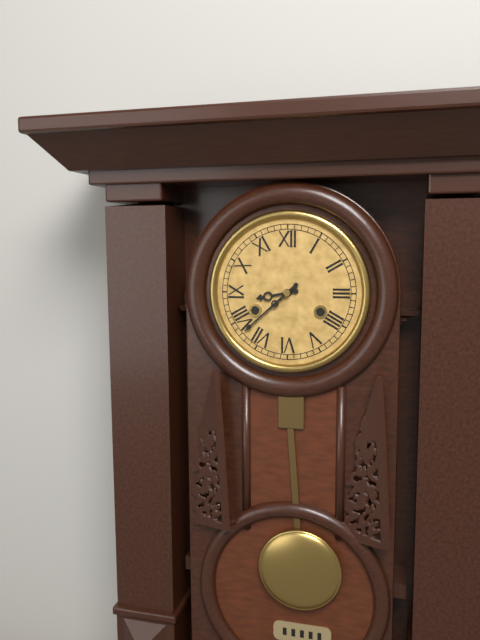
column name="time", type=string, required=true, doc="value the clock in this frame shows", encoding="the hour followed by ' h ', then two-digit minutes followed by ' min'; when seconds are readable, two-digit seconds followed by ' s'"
8 h 38 min
